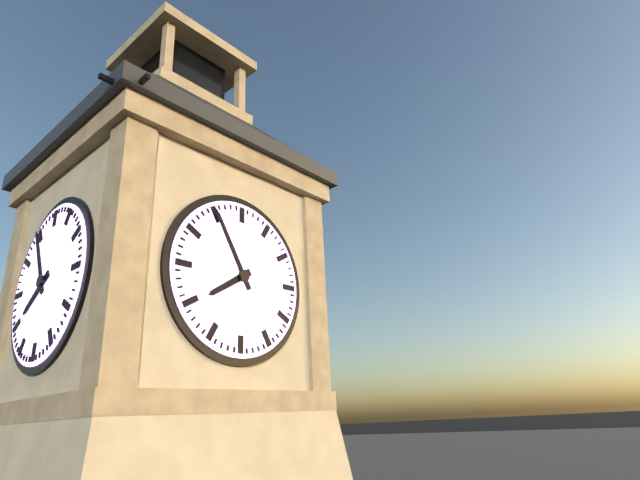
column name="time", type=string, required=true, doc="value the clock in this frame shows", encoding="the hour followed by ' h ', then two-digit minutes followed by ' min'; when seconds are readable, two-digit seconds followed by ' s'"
7 h 55 min
